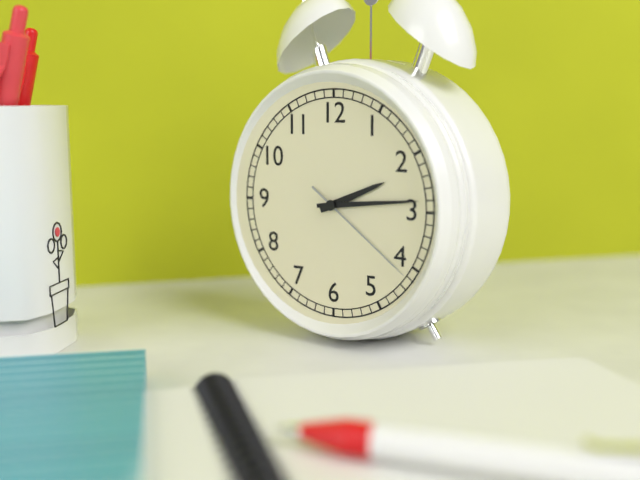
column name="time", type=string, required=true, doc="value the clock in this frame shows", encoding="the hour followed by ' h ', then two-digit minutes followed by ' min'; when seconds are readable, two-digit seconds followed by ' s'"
2 h 14 min 21 s
